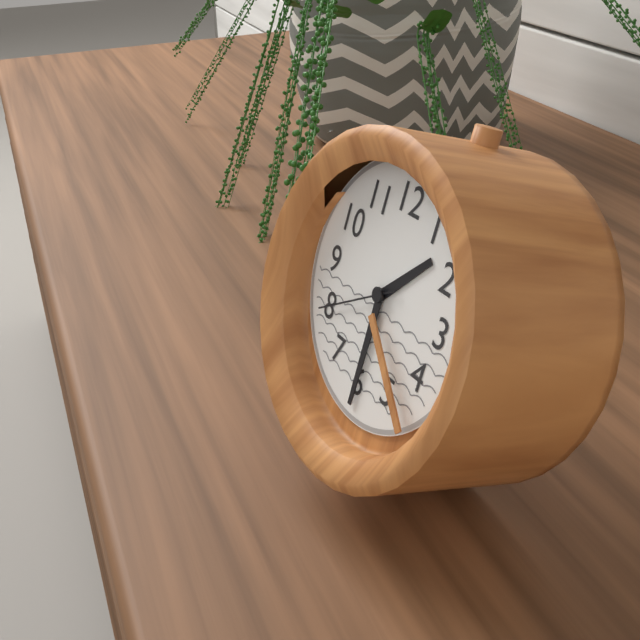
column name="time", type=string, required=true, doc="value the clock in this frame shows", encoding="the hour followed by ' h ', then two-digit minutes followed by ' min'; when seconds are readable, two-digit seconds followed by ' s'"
1 h 30 min 40 s
